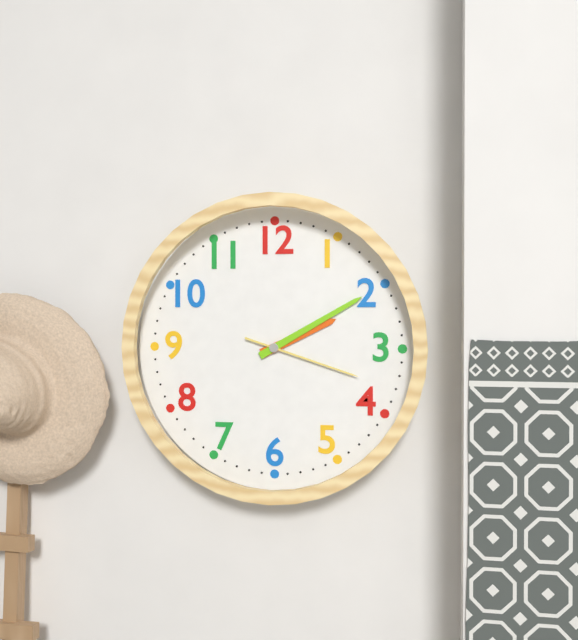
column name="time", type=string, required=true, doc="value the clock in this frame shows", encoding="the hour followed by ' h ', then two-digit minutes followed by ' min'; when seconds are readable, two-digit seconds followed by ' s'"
2 h 10 min 18 s
